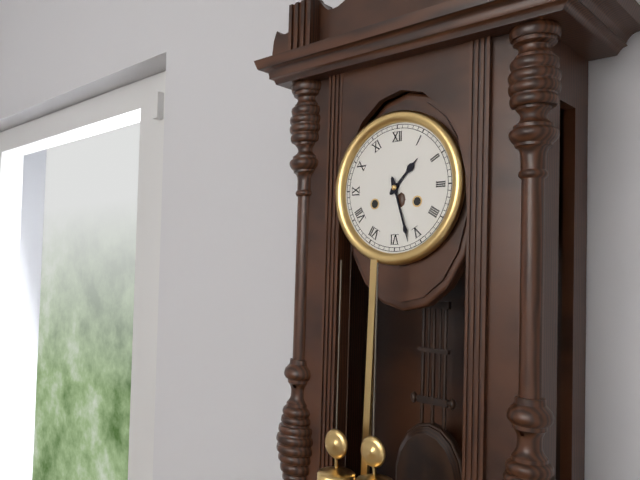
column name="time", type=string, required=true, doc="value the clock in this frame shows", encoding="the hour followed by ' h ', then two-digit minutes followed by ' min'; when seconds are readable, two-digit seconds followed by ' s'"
1 h 27 min
